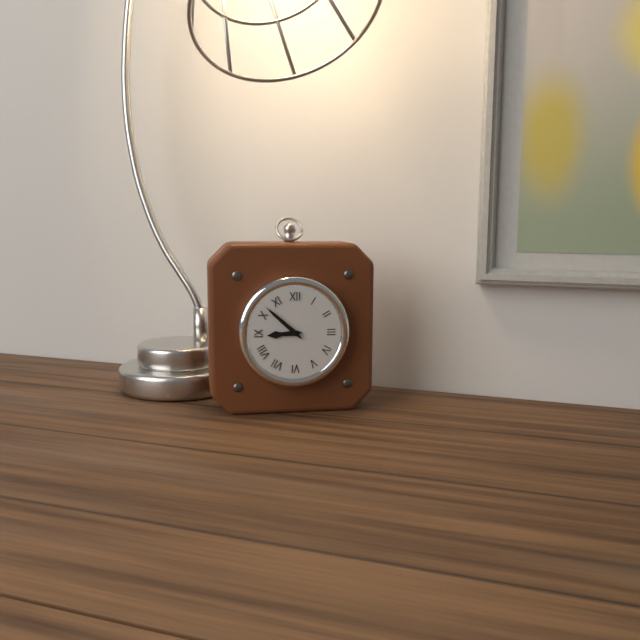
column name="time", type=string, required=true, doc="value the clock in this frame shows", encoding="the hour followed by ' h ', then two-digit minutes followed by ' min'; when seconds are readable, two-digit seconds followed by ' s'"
8 h 52 min
